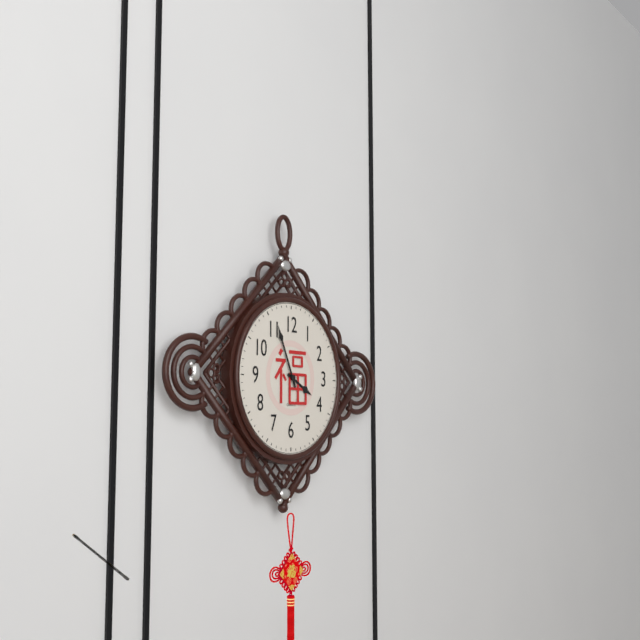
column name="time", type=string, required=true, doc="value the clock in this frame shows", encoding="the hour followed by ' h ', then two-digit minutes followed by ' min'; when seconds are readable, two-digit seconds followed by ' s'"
3 h 56 min
